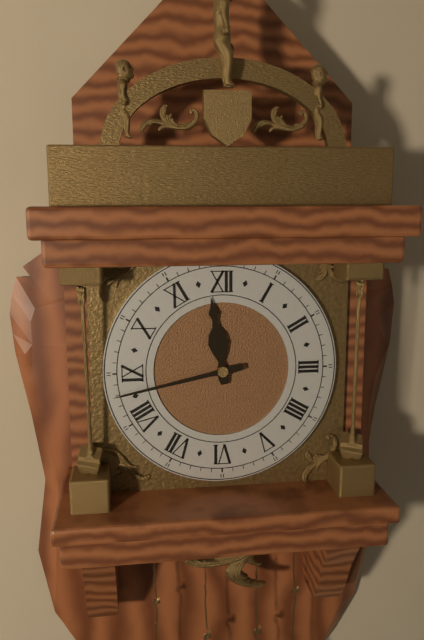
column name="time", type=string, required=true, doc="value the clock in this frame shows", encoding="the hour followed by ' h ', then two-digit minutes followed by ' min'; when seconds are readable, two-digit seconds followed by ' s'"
11 h 43 min
